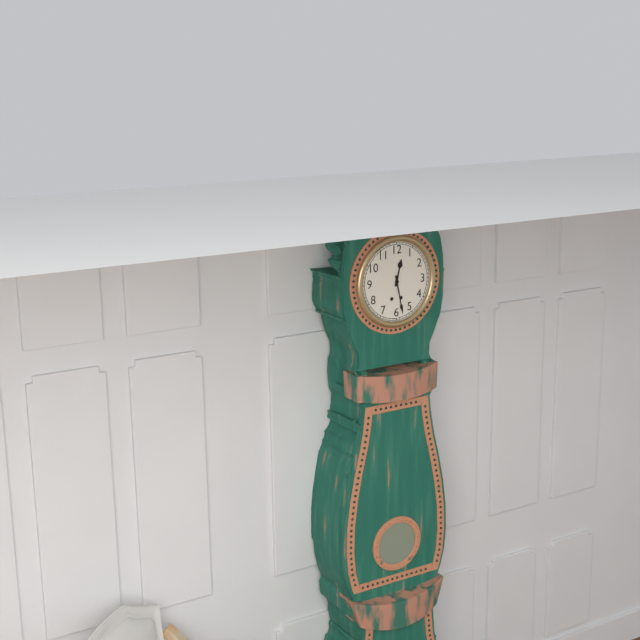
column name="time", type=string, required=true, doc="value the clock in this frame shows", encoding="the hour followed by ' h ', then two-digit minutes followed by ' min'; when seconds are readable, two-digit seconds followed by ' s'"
12 h 28 min
